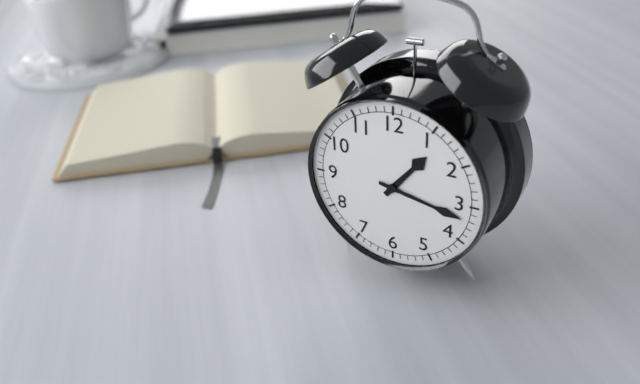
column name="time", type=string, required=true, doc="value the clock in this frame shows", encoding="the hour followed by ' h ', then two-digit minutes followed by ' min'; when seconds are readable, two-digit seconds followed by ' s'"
1 h 17 min
